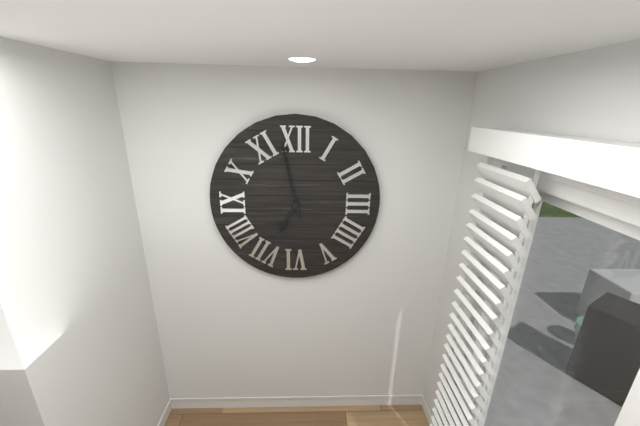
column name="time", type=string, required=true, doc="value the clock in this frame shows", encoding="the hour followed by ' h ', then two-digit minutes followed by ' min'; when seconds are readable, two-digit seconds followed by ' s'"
6 h 58 min
